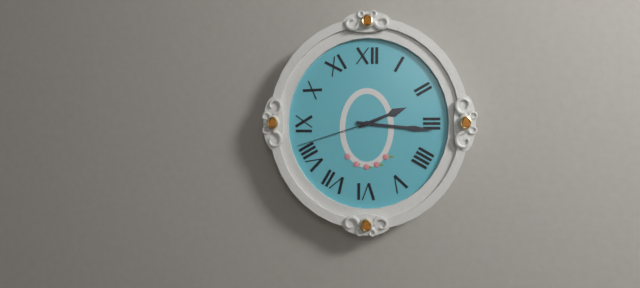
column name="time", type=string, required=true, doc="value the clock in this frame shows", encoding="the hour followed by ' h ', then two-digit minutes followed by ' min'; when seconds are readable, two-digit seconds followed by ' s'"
2 h 16 min 42 s
